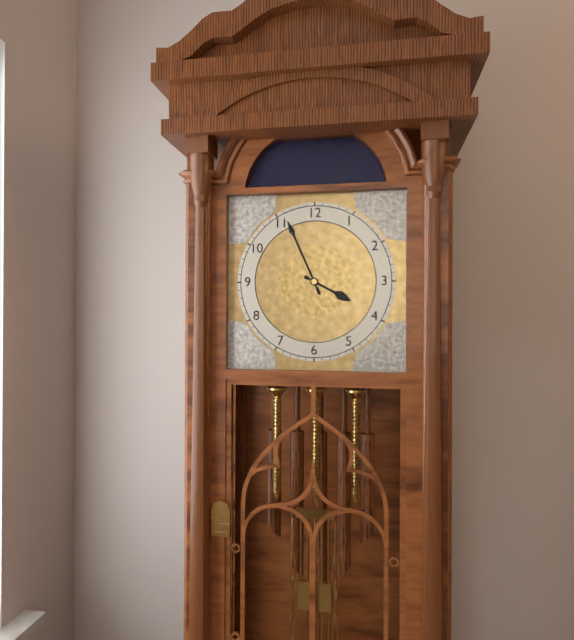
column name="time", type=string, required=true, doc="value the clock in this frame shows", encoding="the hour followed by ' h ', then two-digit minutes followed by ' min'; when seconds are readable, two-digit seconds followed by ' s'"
3 h 56 min
